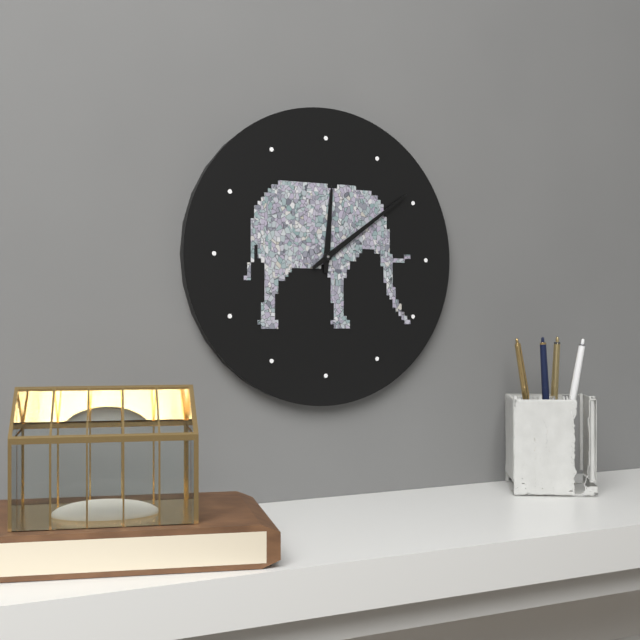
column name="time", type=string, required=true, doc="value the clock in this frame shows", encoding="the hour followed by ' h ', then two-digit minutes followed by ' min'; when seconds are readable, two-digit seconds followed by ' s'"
12 h 09 min
